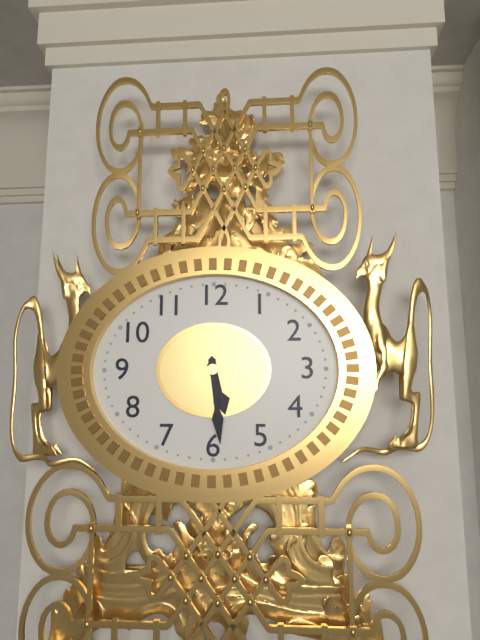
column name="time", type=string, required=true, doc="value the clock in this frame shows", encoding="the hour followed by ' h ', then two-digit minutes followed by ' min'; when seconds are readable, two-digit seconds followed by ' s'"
5 h 29 min
